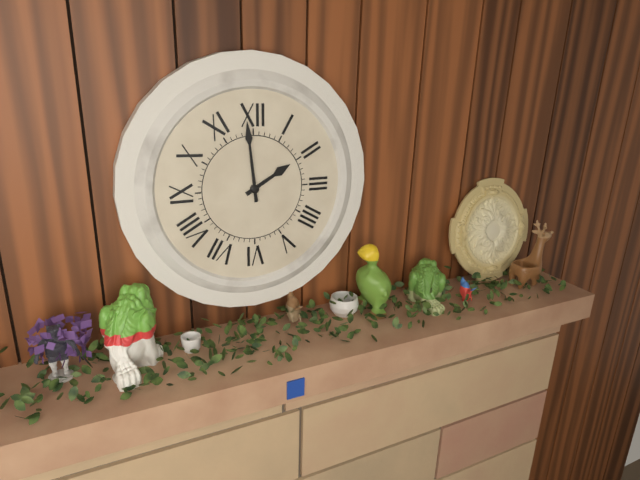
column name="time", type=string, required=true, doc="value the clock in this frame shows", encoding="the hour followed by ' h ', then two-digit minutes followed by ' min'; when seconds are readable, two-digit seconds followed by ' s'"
1 h 59 min
